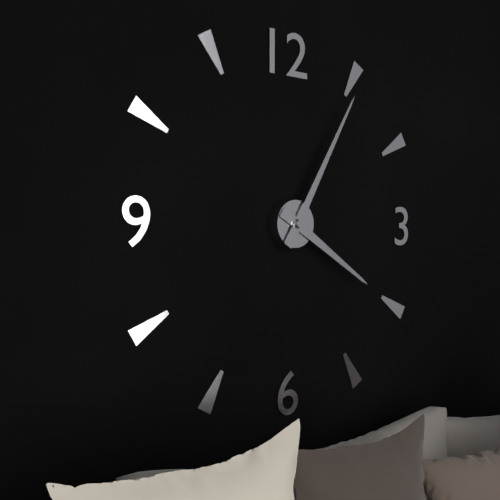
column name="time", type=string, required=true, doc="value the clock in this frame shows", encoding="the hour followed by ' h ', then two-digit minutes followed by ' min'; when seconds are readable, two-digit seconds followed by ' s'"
4 h 05 min
